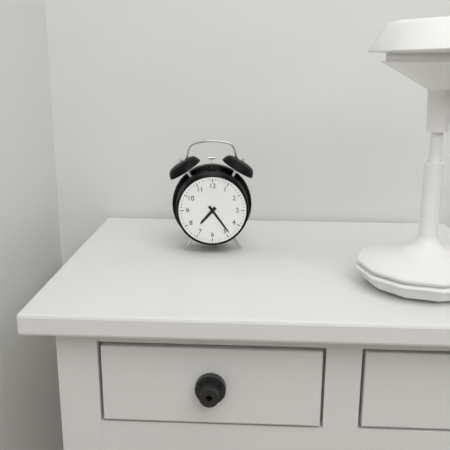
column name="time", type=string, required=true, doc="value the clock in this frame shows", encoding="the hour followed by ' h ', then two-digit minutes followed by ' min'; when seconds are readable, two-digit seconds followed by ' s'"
7 h 24 min
